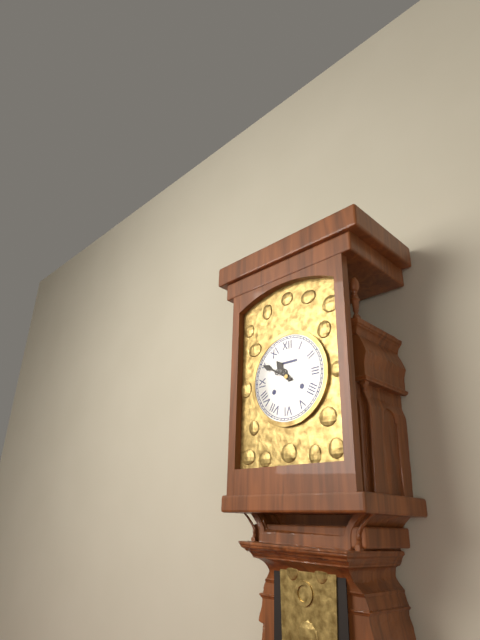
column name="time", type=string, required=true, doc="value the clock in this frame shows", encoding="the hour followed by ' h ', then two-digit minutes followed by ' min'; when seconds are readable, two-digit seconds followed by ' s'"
10 h 50 min
